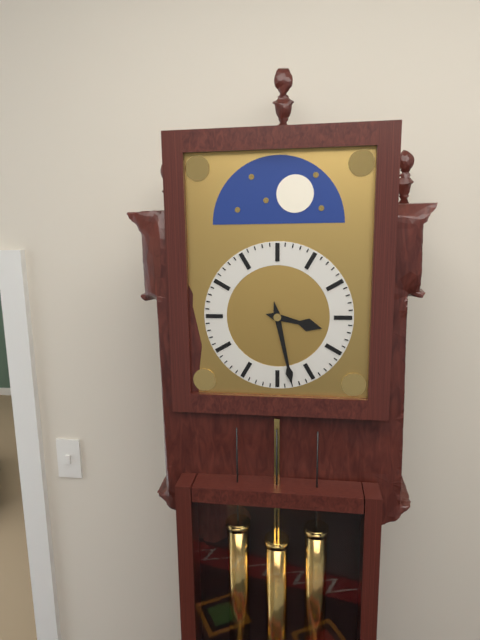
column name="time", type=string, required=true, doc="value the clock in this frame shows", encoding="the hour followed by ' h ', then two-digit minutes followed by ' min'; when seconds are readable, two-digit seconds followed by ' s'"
3 h 28 min
